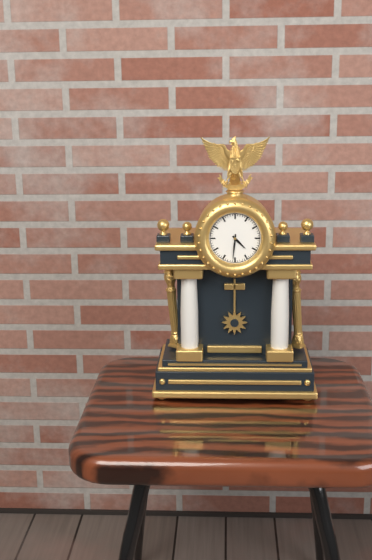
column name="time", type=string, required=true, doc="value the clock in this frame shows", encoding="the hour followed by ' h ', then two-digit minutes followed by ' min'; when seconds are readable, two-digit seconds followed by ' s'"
4 h 31 min
